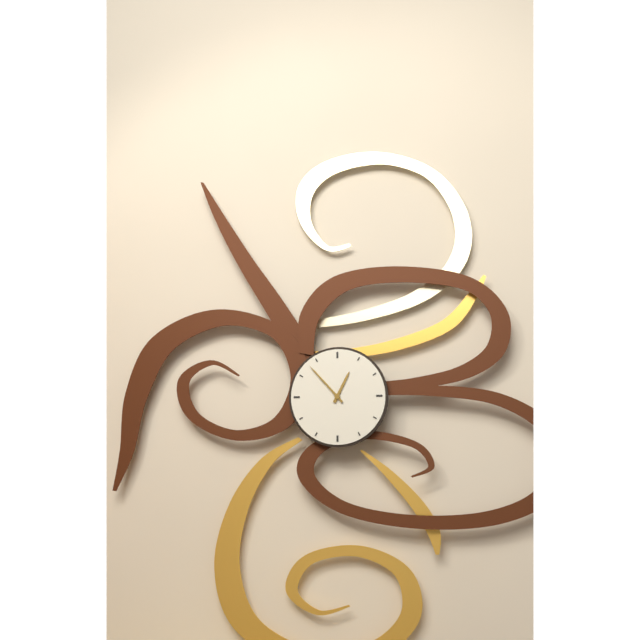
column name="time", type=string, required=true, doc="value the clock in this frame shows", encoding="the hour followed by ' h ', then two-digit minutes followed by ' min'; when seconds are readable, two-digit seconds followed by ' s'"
12 h 53 min
